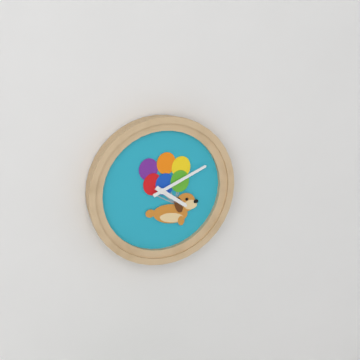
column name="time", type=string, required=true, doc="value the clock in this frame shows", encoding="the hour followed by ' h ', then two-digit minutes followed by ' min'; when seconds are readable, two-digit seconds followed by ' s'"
4 h 11 min
